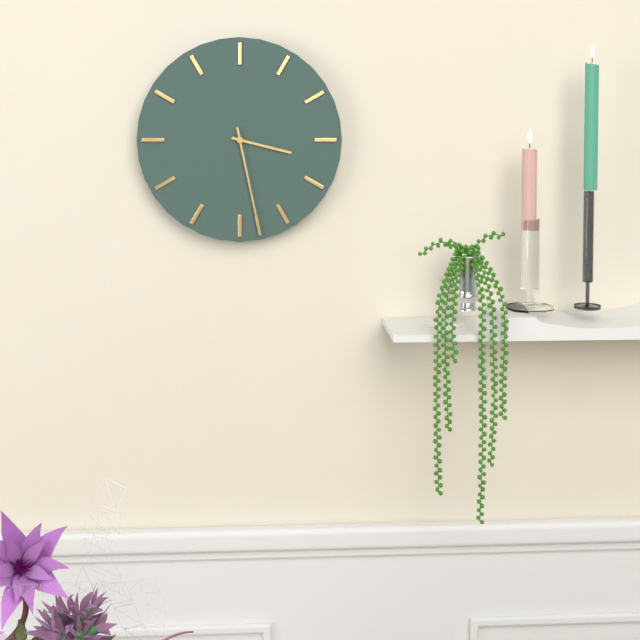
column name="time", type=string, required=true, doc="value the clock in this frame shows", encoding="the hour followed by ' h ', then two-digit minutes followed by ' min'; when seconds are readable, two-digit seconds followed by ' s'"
3 h 28 min
